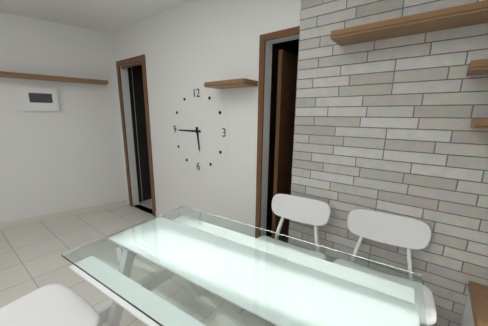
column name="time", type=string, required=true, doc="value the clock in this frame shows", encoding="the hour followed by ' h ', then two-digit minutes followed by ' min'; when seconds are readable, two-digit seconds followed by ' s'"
5 h 45 min
